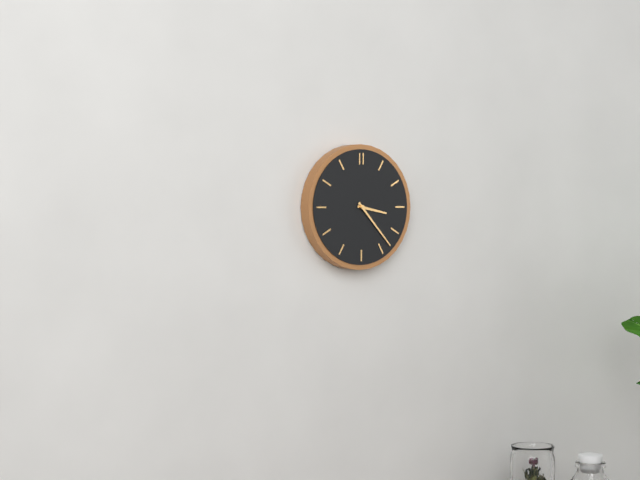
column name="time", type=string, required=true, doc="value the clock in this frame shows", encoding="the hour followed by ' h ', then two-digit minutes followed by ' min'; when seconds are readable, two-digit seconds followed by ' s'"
3 h 23 min
